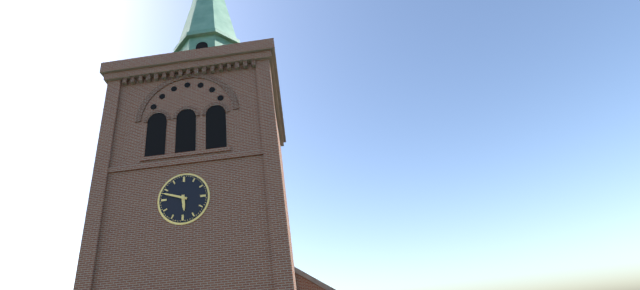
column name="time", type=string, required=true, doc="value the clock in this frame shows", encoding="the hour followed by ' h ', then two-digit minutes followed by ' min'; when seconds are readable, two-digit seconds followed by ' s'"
5 h 48 min
